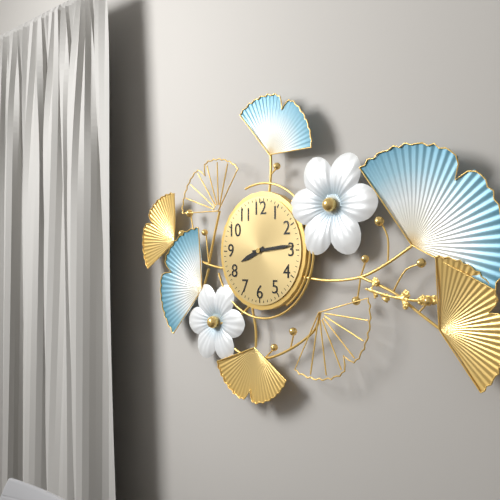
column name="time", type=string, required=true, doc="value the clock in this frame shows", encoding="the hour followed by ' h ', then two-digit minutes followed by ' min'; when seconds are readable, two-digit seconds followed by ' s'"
8 h 14 min
